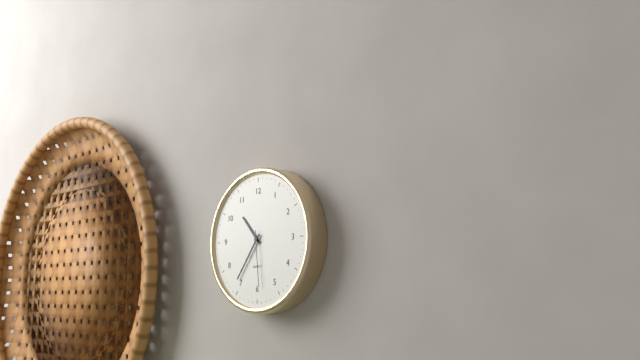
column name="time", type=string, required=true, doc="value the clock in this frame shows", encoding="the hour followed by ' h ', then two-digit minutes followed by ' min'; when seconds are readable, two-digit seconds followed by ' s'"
10 h 36 min 29 s
